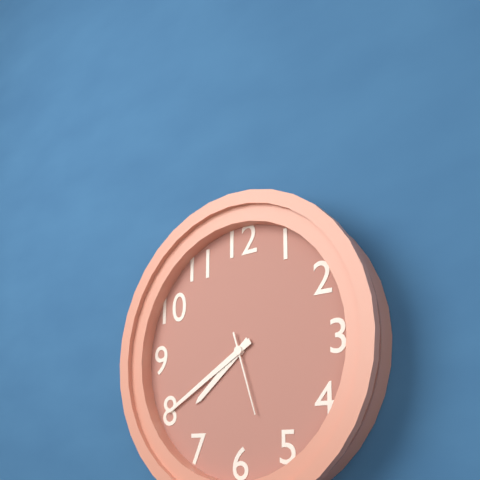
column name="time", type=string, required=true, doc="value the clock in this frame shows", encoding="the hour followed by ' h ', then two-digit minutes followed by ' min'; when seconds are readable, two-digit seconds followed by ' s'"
7 h 40 min 27 s
